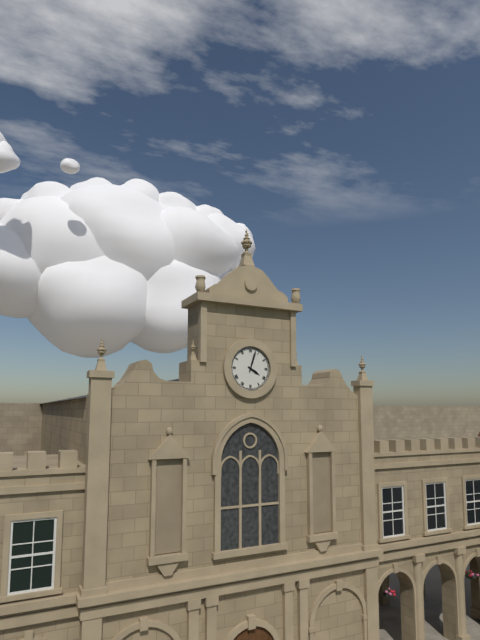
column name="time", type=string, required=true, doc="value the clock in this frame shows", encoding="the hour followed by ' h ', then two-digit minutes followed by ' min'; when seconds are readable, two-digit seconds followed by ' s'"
4 h 03 min
